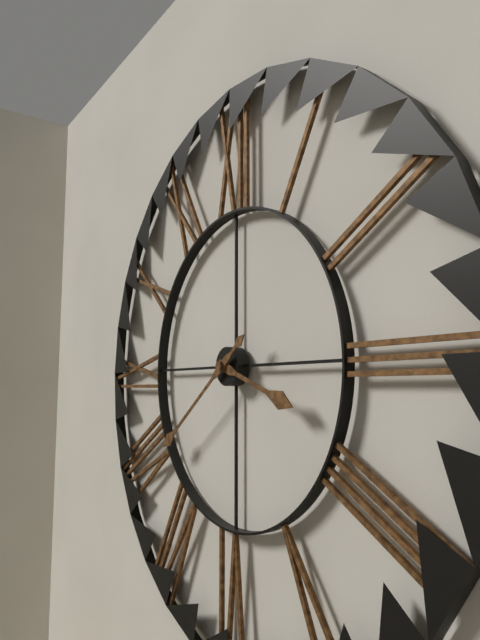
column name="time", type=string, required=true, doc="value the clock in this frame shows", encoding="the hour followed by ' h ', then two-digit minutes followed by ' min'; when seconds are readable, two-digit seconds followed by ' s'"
3 h 39 min
